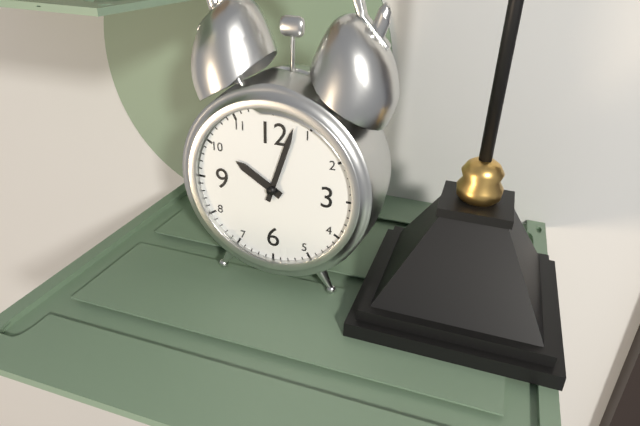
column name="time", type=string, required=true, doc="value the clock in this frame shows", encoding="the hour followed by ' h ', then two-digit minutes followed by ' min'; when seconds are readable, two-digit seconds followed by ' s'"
10 h 03 min
